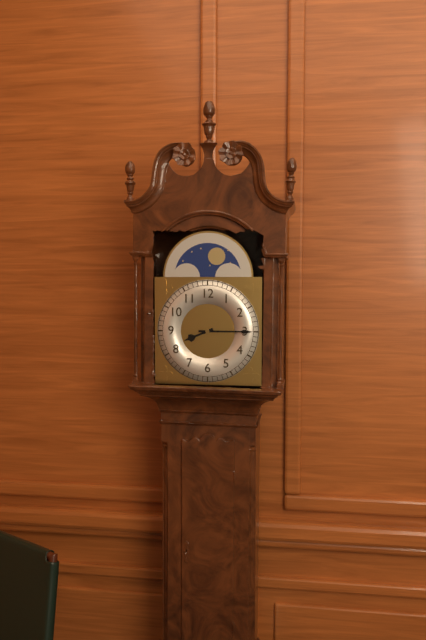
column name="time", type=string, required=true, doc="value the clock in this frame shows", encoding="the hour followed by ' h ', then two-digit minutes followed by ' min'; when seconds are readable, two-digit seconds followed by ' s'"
8 h 15 min
